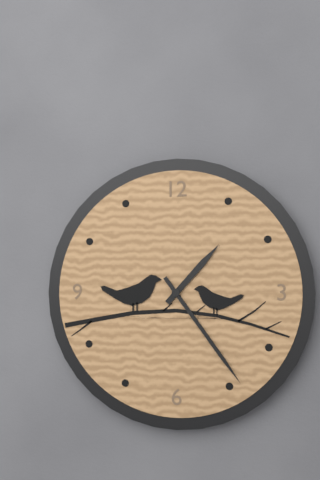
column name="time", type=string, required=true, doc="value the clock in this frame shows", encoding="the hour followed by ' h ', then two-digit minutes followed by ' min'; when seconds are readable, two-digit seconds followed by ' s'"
1 h 24 min
